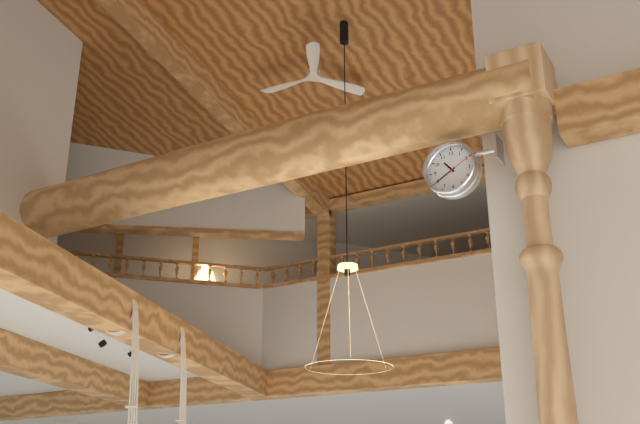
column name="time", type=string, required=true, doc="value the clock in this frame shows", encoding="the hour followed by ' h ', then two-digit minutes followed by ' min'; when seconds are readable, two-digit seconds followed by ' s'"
10 h 40 min
